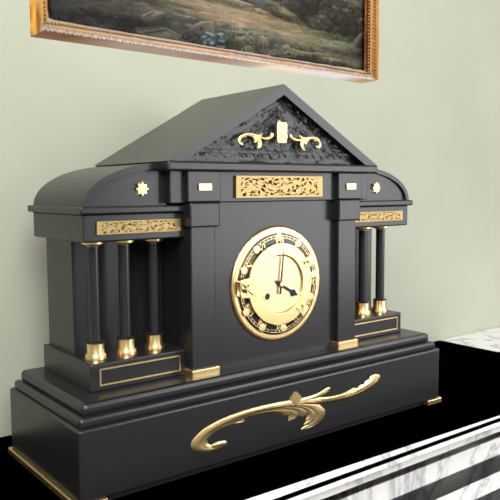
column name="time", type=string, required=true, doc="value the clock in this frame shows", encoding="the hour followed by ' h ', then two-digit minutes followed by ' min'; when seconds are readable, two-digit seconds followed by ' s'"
4 h 01 min
